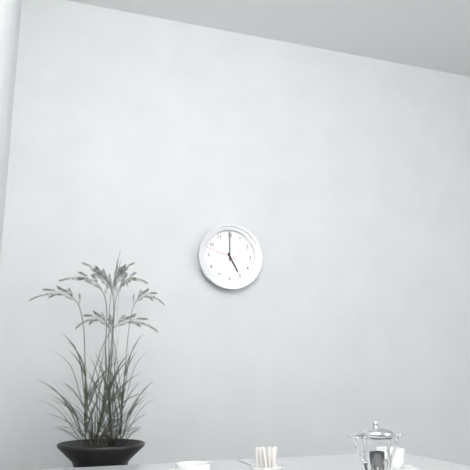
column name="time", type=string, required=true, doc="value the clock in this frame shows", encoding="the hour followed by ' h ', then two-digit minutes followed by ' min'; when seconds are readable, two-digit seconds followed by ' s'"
5 h 00 min
